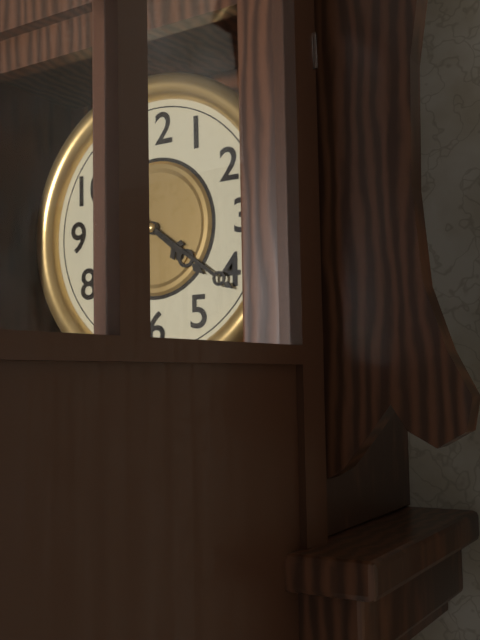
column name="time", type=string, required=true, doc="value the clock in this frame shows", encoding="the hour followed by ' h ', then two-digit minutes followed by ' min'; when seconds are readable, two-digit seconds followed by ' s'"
4 h 21 min
